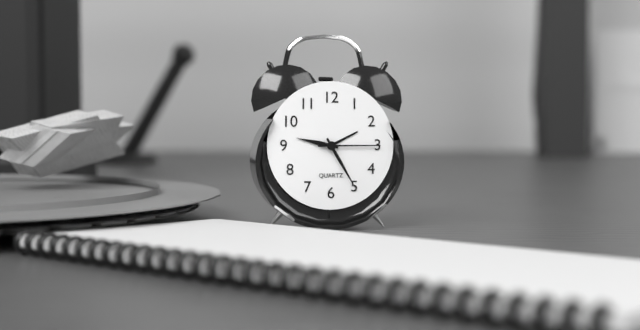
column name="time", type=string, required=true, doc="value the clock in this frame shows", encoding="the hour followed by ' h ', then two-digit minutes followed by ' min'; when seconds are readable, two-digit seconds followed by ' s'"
9 h 25 min 15 s
